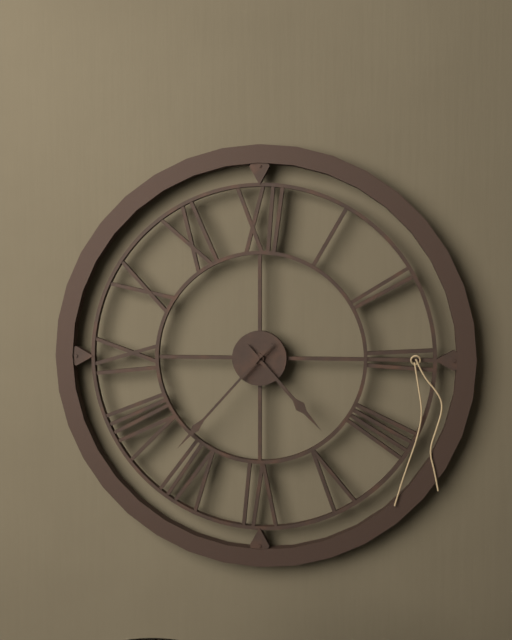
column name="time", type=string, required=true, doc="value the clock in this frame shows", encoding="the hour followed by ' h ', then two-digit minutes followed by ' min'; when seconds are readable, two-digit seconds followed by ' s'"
4 h 37 min
